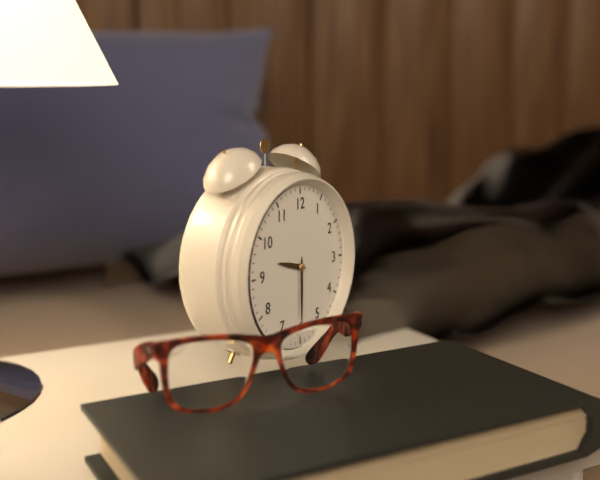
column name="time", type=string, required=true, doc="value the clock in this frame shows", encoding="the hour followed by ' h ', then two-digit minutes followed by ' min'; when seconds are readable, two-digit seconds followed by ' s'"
9 h 30 min
